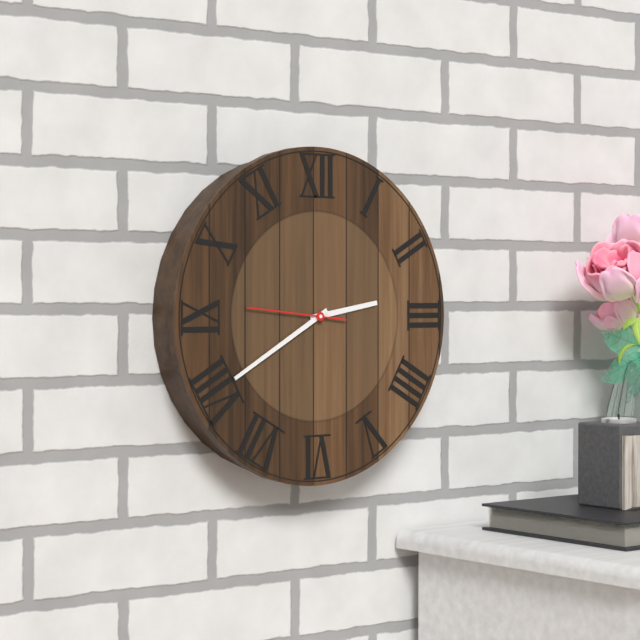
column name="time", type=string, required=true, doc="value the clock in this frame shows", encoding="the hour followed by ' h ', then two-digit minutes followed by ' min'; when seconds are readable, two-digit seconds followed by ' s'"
2 h 40 min 46 s
